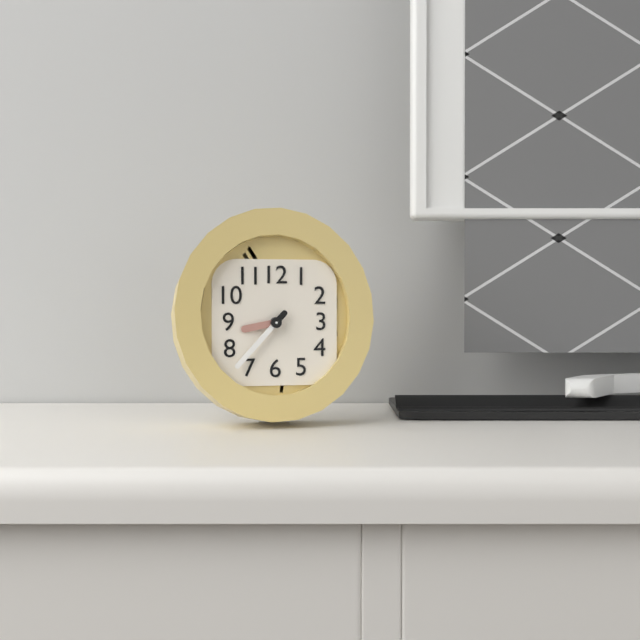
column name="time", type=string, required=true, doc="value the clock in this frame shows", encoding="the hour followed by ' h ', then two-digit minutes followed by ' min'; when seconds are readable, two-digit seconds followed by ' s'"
8 h 37 min
